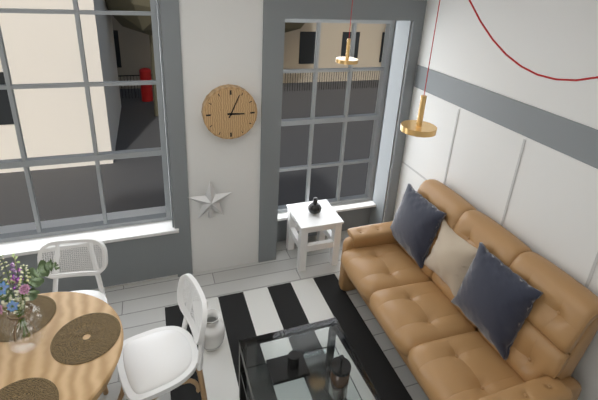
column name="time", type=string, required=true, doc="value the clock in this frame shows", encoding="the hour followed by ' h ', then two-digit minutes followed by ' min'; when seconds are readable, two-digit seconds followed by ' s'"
3 h 04 min
